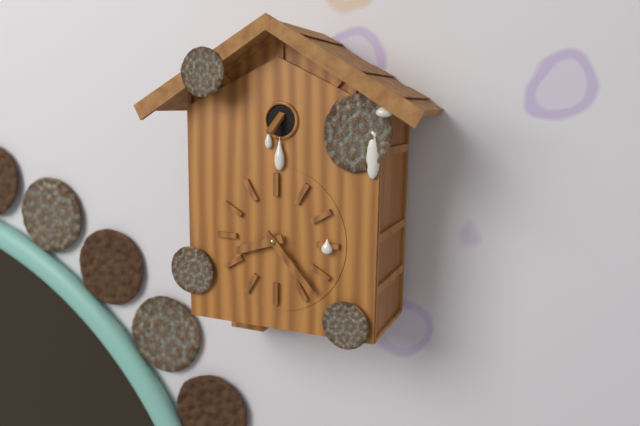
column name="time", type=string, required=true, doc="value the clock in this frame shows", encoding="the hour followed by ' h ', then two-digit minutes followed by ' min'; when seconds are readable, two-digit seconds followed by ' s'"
8 h 23 min
